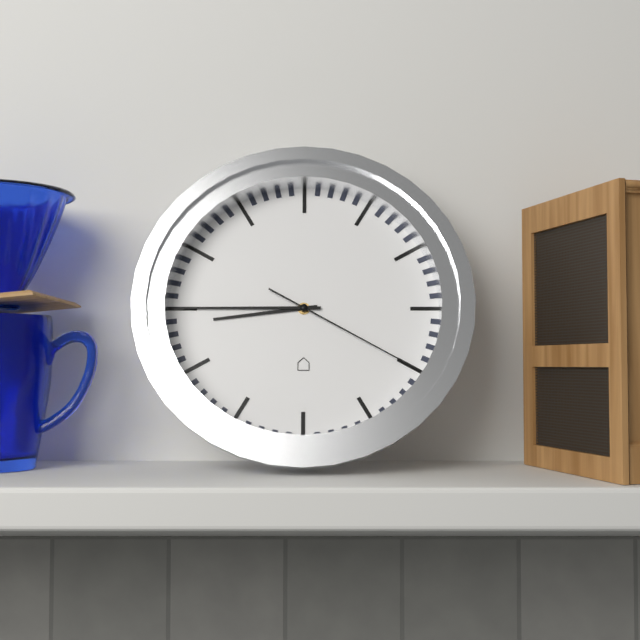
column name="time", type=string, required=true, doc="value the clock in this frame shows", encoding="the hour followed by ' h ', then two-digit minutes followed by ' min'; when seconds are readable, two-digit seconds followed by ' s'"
8 h 45 min 20 s
